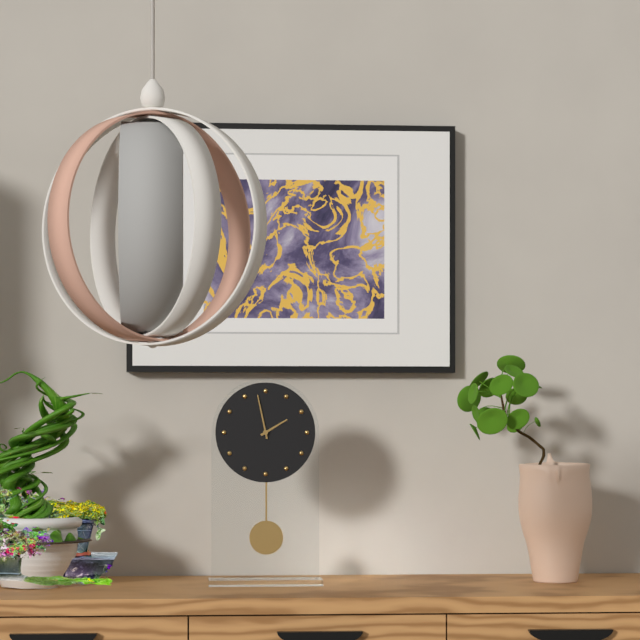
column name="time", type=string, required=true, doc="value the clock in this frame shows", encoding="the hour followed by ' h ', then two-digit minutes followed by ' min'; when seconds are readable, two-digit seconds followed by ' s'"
1 h 58 min
